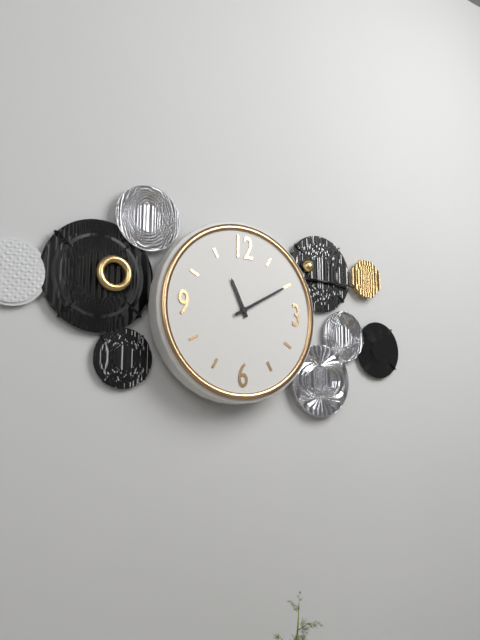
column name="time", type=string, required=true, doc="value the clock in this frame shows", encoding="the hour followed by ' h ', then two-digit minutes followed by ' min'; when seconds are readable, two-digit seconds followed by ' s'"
11 h 10 min
